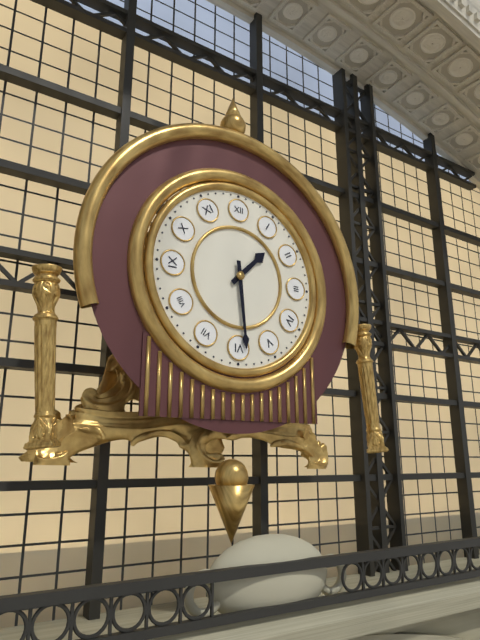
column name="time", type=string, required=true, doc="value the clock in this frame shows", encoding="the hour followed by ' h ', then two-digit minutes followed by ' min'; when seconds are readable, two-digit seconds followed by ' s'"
1 h 29 min
